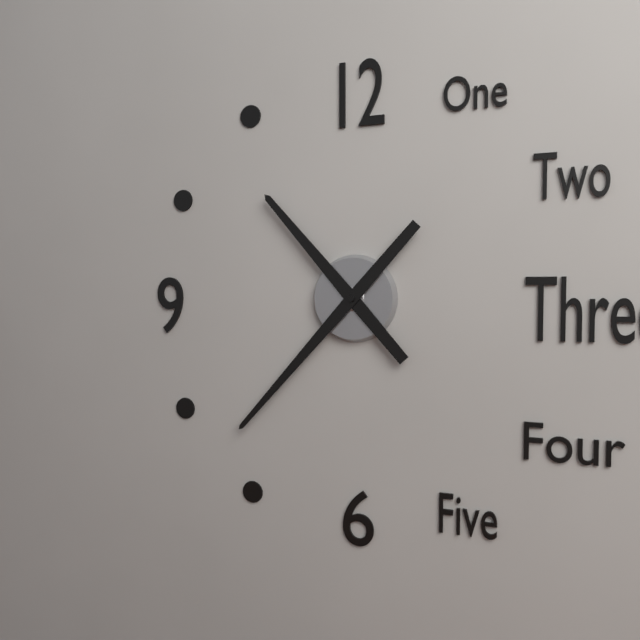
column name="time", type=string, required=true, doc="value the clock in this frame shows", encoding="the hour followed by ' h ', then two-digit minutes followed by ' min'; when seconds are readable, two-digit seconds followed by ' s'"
10 h 37 min
